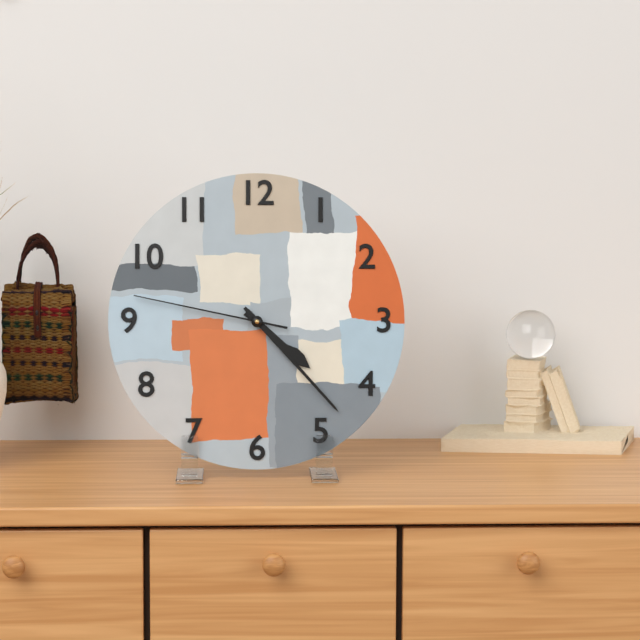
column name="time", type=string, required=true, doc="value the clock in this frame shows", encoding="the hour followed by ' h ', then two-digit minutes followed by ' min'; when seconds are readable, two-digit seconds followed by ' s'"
4 h 23 min 47 s
